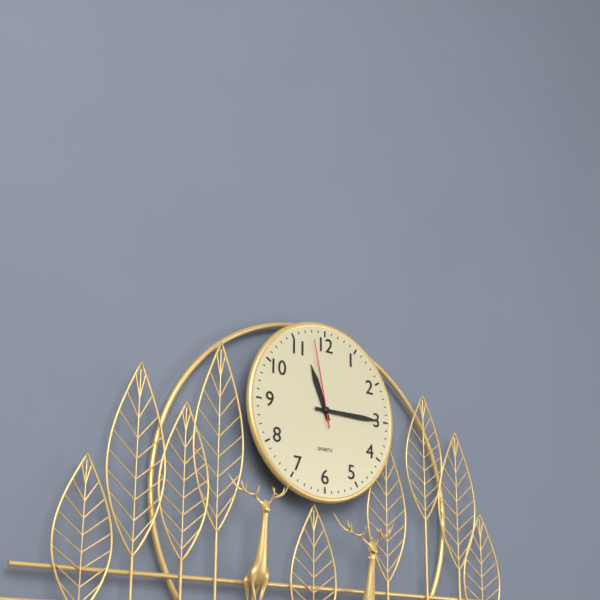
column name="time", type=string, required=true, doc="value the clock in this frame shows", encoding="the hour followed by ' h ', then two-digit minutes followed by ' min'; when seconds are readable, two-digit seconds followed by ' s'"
11 h 15 min 58 s
